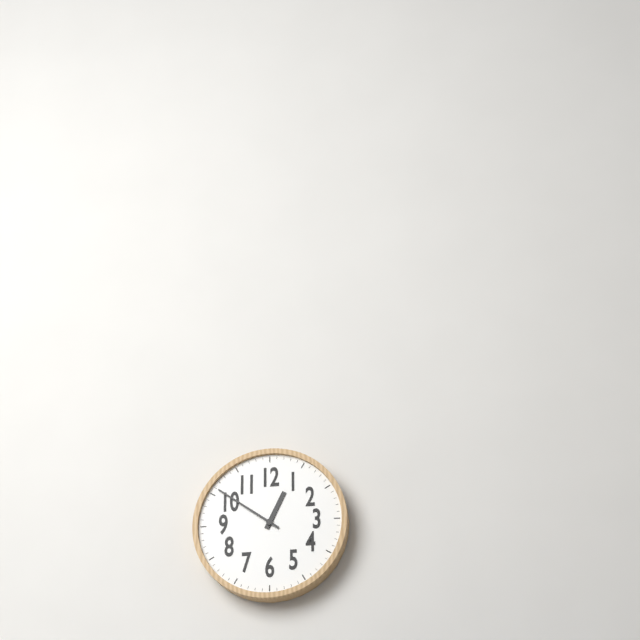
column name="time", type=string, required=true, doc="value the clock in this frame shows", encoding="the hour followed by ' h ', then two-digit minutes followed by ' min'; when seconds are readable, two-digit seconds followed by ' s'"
12 h 51 min
